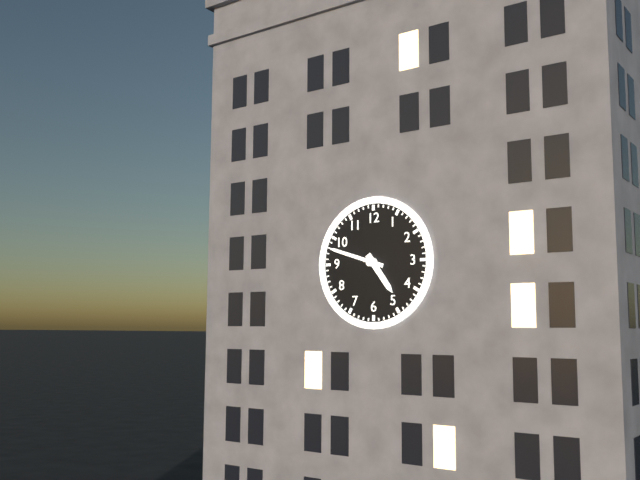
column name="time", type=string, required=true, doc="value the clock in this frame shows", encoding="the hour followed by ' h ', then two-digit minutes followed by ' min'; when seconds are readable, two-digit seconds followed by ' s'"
4 h 48 min
